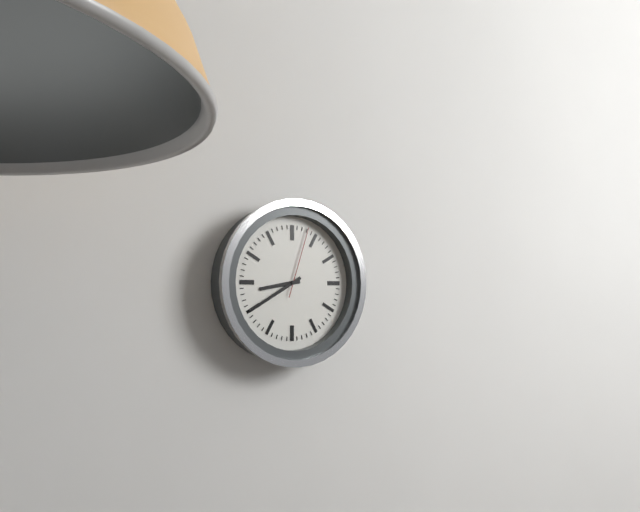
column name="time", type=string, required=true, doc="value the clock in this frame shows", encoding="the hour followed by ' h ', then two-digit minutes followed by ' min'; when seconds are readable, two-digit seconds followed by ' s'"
8 h 40 min 03 s
